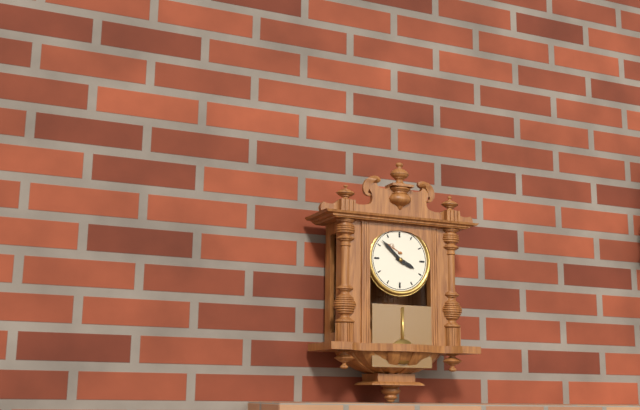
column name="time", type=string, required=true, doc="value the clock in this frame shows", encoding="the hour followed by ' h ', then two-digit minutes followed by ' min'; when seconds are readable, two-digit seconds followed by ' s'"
3 h 52 min
